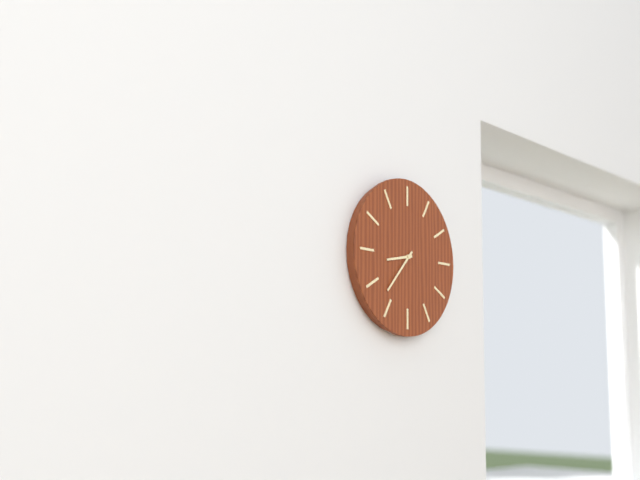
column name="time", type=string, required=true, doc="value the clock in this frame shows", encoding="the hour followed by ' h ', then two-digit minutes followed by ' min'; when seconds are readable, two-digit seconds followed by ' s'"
8 h 37 min
